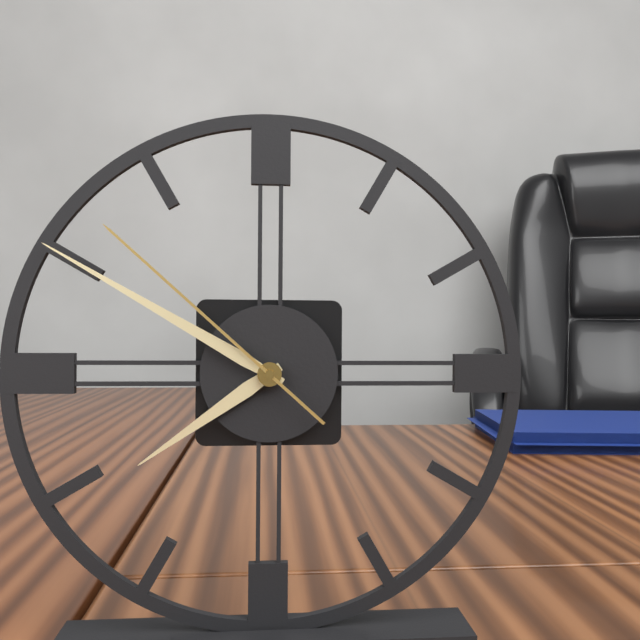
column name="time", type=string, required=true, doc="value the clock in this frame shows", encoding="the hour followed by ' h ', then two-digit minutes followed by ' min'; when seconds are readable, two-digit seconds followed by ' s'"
7 h 50 min 52 s
